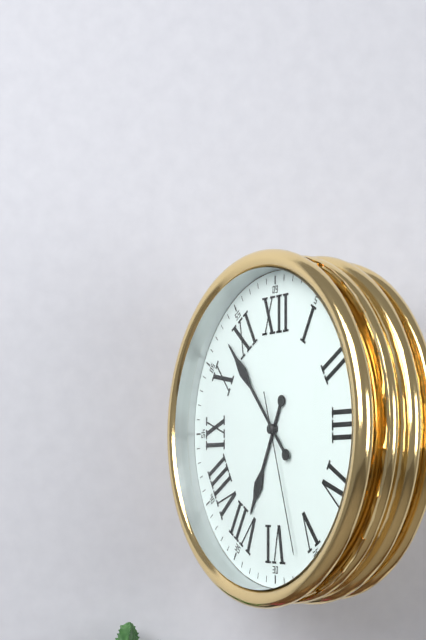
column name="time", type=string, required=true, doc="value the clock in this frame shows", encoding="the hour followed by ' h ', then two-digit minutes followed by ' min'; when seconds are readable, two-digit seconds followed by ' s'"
6 h 53 min 27 s
